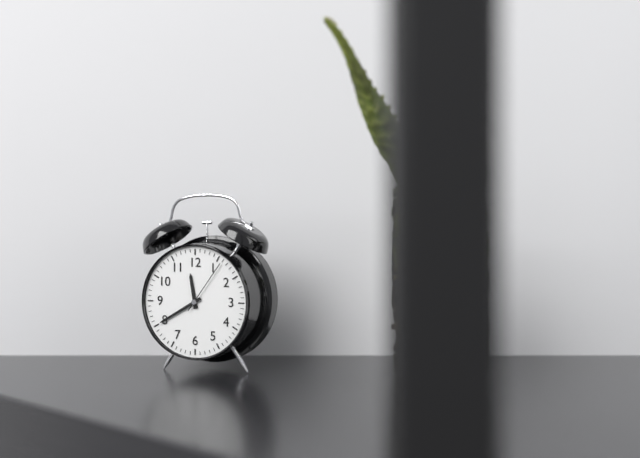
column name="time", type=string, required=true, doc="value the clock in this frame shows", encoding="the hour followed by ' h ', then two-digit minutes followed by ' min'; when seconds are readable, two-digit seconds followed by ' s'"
11 h 40 min 06 s
